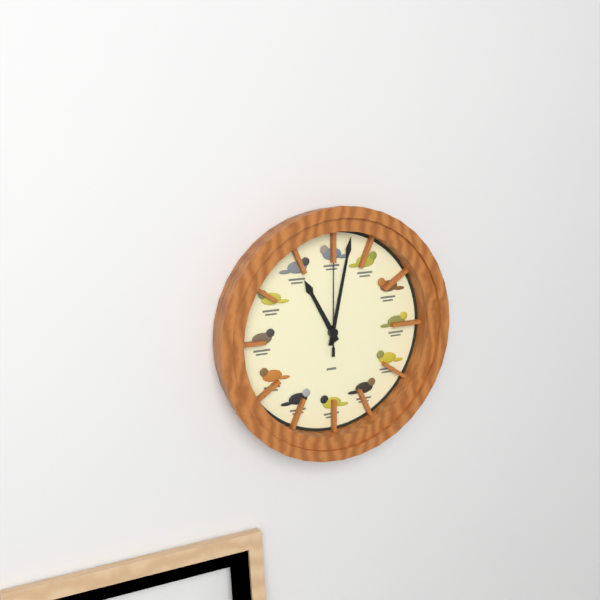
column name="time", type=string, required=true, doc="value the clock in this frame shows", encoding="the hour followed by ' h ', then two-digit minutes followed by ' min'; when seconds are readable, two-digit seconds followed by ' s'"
11 h 02 min
